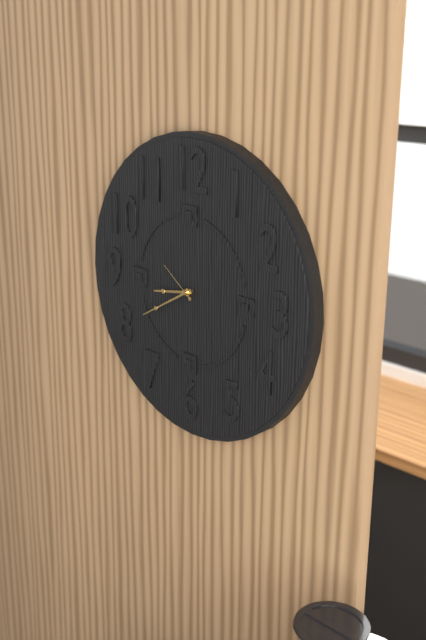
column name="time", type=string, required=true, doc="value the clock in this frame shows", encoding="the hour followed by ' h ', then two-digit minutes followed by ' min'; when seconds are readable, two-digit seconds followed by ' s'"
8 h 40 min
